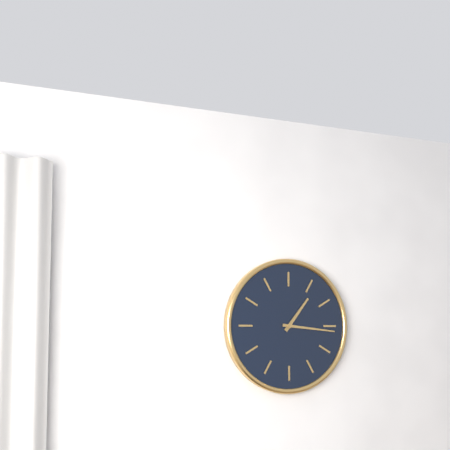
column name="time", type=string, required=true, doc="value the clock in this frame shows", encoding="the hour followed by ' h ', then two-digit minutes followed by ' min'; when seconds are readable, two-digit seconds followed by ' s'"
1 h 16 min
